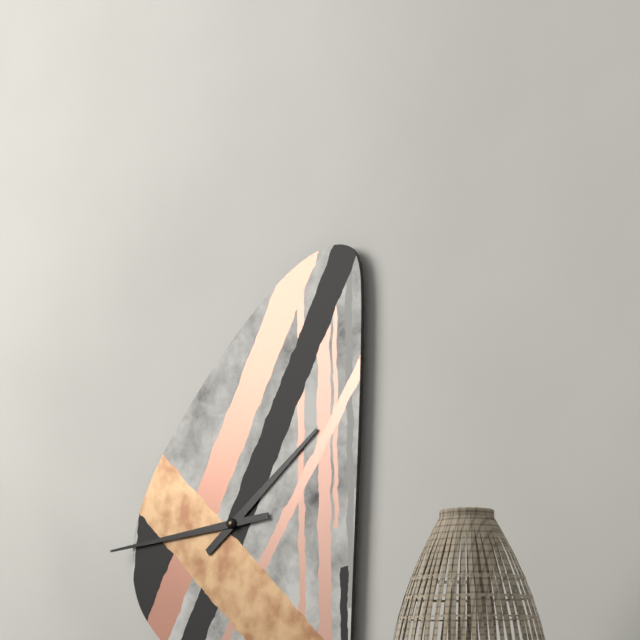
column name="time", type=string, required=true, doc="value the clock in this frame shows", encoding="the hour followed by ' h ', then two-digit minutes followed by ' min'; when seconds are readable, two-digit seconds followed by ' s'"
1 h 44 min
